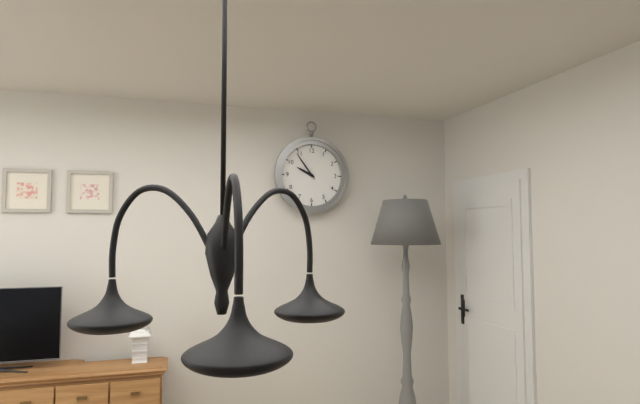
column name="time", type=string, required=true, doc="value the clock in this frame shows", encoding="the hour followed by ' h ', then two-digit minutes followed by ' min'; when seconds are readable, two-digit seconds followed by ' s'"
9 h 54 min
